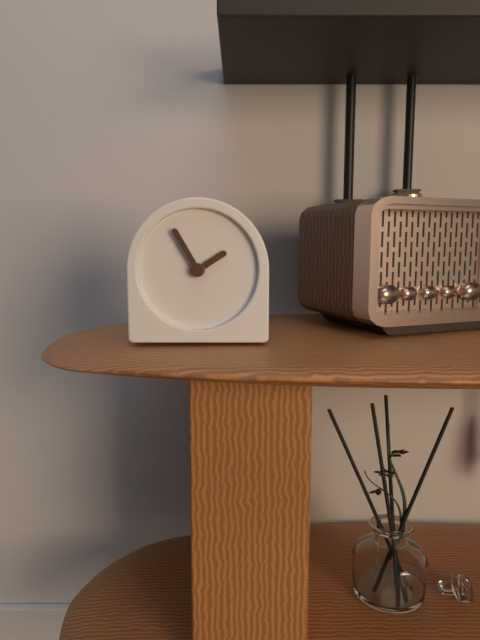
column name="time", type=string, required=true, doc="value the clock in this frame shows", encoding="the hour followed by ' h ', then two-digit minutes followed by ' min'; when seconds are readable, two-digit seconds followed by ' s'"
1 h 55 min
